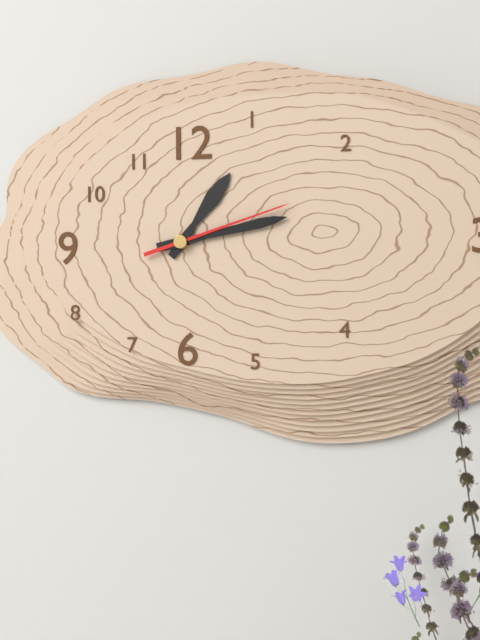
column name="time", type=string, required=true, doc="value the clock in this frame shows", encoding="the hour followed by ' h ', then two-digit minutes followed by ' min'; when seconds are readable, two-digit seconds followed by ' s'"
1 h 13 min 12 s
